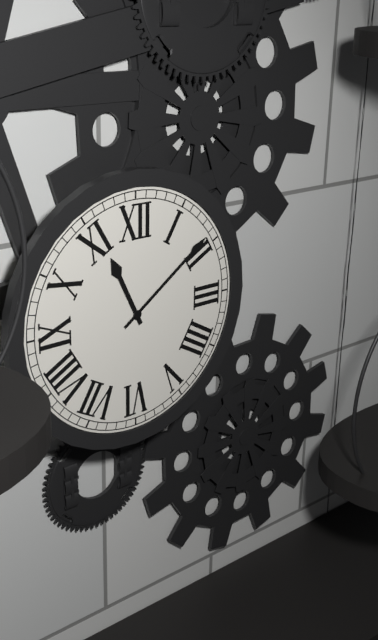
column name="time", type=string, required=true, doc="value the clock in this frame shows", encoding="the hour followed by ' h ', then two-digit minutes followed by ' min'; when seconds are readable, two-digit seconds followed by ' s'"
11 h 09 min
